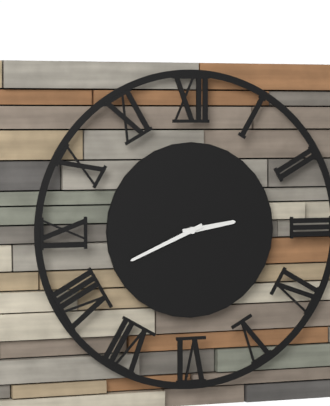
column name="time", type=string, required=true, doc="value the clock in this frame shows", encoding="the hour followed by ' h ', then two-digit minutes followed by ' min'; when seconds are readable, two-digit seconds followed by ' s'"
2 h 41 min
